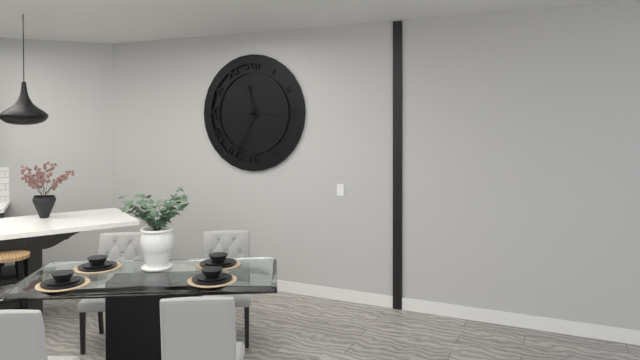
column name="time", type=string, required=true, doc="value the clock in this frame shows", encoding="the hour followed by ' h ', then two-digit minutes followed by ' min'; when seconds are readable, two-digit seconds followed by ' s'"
11 h 34 min 15 s
